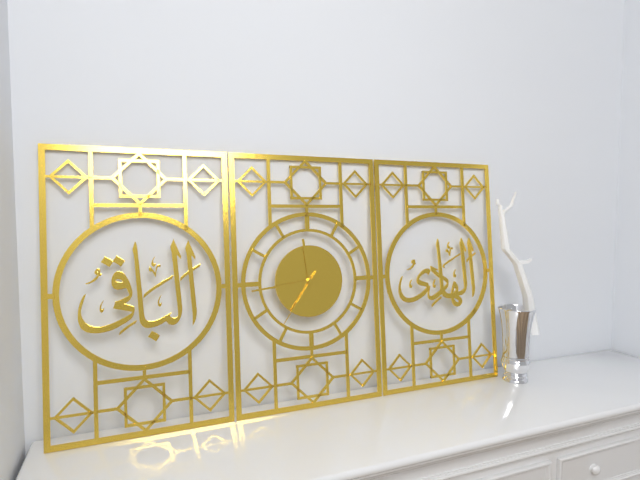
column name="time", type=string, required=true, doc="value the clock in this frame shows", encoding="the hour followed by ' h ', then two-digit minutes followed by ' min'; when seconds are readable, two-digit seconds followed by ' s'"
11 h 44 min 36 s
